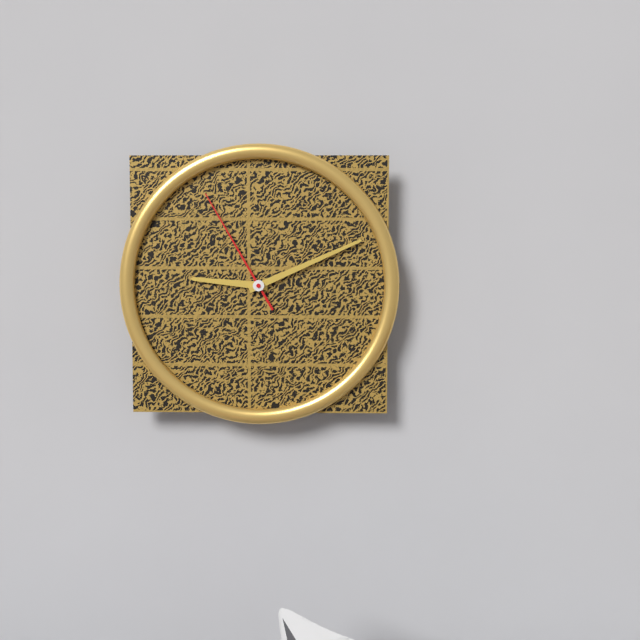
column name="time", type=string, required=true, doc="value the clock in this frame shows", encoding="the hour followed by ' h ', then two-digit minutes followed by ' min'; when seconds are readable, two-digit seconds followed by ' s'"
9 h 11 min 55 s
